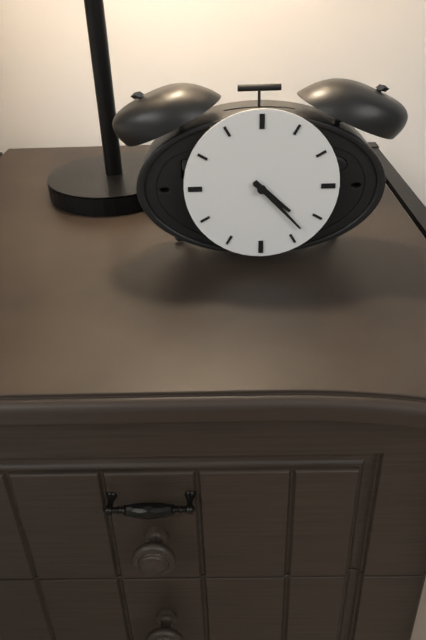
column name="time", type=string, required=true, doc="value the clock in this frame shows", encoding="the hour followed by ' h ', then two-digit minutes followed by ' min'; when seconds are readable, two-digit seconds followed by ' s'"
4 h 23 min
